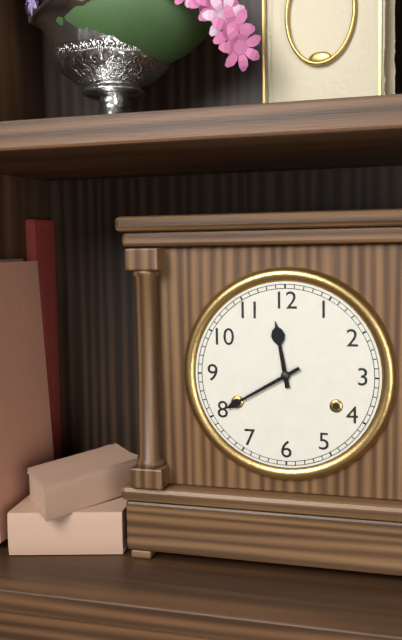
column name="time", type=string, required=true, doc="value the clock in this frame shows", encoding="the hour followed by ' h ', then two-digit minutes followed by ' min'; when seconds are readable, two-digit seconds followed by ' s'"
11 h 40 min
